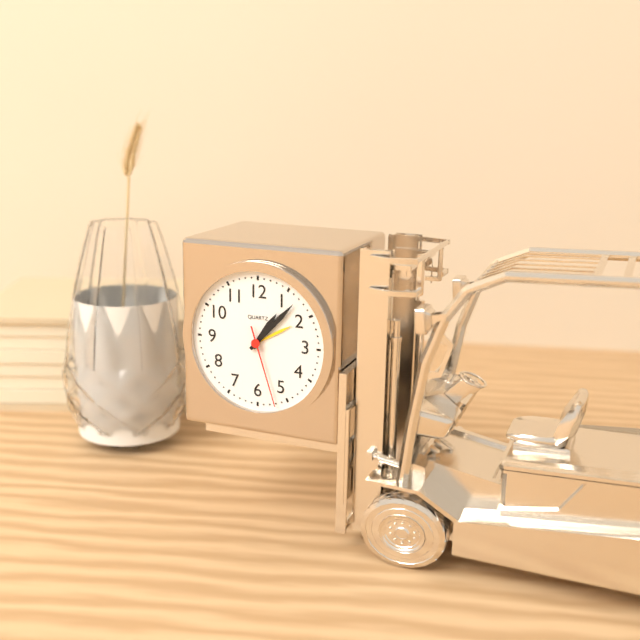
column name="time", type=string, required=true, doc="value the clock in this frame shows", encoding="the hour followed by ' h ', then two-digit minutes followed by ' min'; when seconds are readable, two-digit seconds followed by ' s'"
1 h 07 min 27 s
